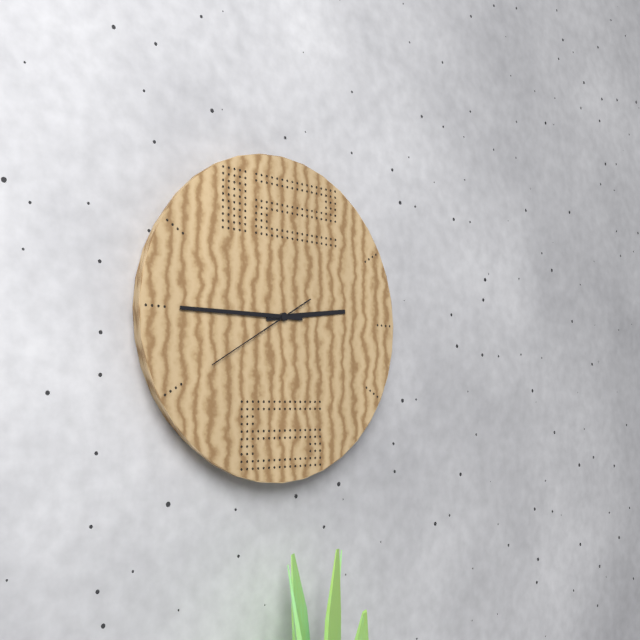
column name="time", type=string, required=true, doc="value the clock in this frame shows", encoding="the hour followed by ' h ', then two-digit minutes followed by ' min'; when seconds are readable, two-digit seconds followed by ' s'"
2 h 45 min 40 s
